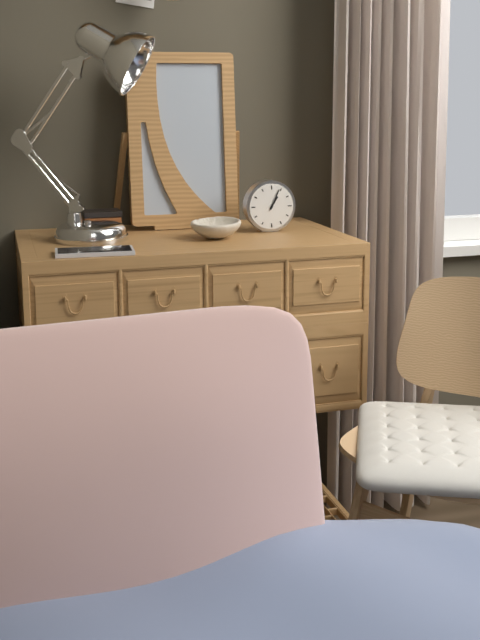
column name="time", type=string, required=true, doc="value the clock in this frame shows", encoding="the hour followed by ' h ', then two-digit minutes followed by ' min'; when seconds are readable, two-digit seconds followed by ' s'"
1 h 04 min
